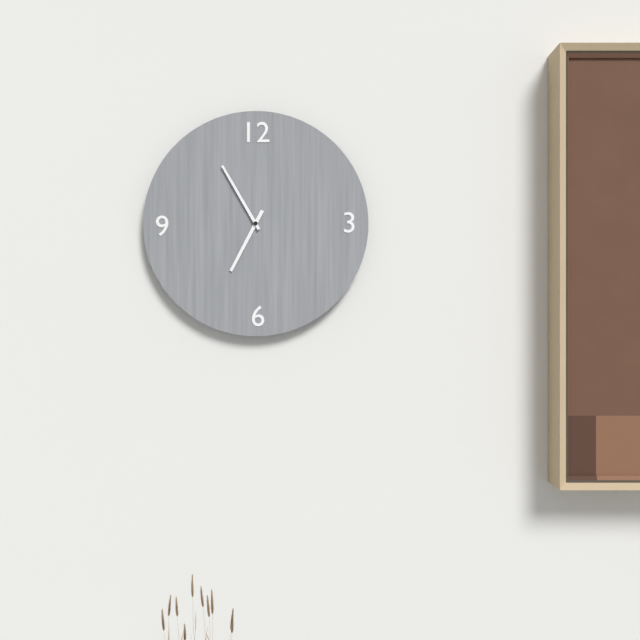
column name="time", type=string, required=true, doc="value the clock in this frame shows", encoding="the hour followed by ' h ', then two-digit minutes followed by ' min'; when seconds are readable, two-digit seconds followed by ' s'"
6 h 55 min
